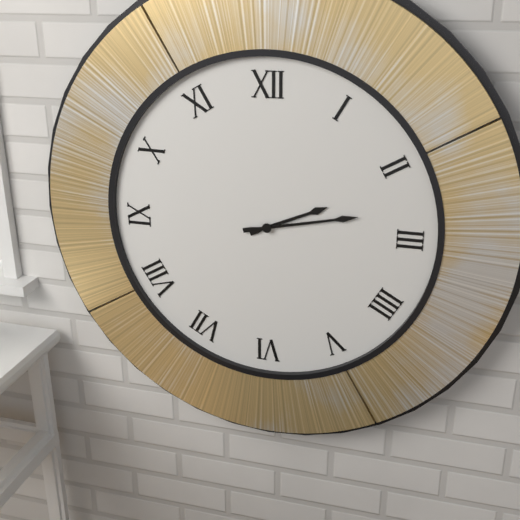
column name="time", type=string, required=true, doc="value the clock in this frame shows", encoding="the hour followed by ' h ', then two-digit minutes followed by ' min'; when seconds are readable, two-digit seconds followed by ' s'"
2 h 13 min
